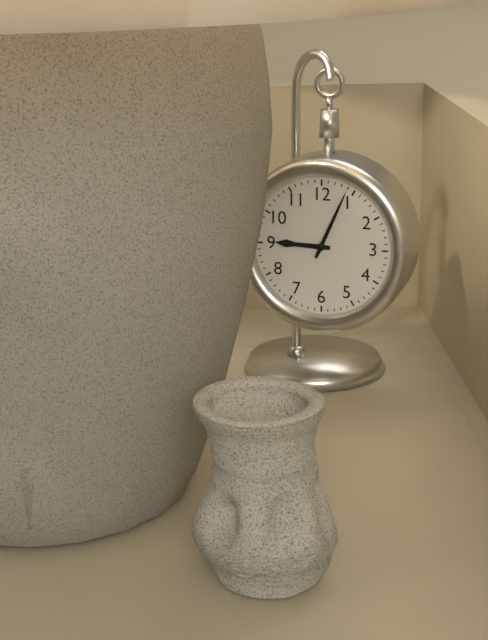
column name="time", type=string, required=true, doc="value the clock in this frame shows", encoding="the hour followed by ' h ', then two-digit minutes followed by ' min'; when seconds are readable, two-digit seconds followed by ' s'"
9 h 04 min
